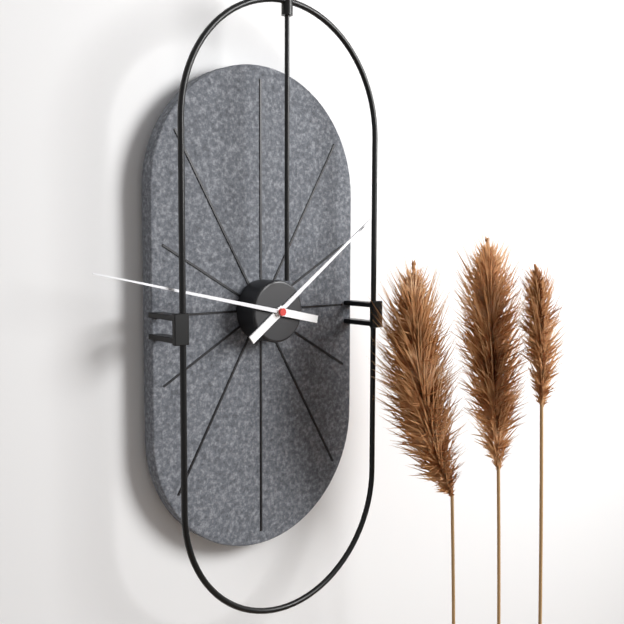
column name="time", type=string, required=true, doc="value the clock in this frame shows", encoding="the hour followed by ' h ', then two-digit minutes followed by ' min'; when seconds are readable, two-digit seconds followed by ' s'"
1 h 47 min
